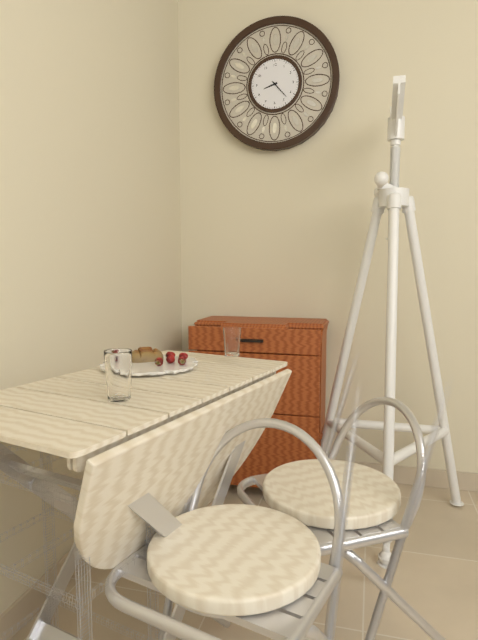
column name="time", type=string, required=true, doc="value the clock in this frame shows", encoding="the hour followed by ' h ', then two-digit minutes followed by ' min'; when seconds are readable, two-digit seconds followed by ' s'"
8 h 23 min
